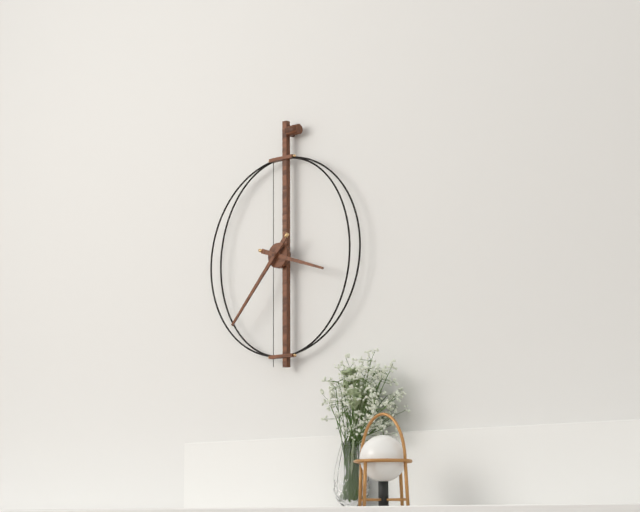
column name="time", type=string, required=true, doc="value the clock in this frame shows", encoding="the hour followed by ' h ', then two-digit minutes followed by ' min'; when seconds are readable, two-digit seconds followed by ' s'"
3 h 37 min
